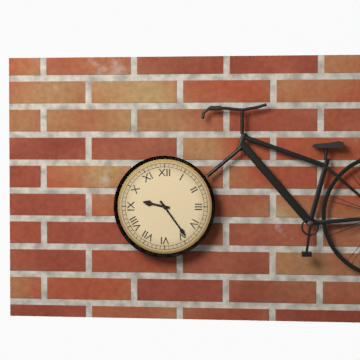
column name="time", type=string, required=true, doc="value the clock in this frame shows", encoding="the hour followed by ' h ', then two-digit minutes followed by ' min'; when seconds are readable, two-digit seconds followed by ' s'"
9 h 24 min
